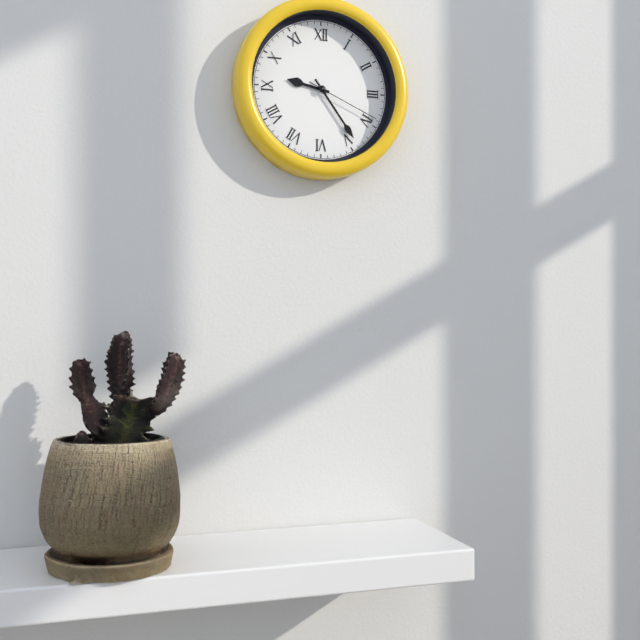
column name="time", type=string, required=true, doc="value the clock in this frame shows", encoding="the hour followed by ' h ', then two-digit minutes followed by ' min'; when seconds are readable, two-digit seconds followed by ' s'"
9 h 24 min 19 s
